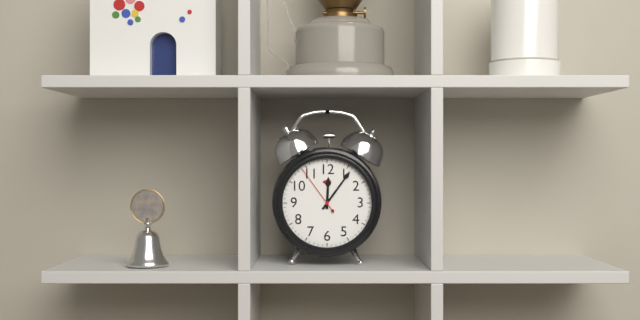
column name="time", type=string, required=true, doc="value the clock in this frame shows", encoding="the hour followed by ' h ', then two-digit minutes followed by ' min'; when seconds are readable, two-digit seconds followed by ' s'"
12 h 06 min 54 s
